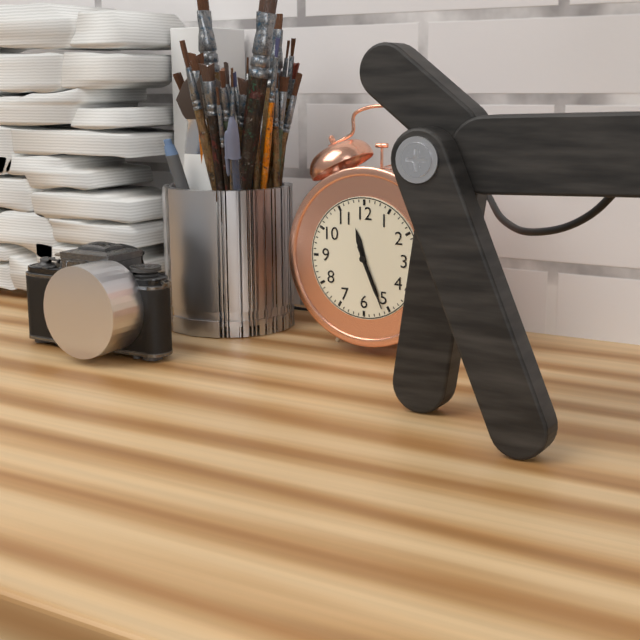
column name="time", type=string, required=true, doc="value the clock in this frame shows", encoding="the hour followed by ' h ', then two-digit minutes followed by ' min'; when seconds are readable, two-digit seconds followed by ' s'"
11 h 26 min 26 s
